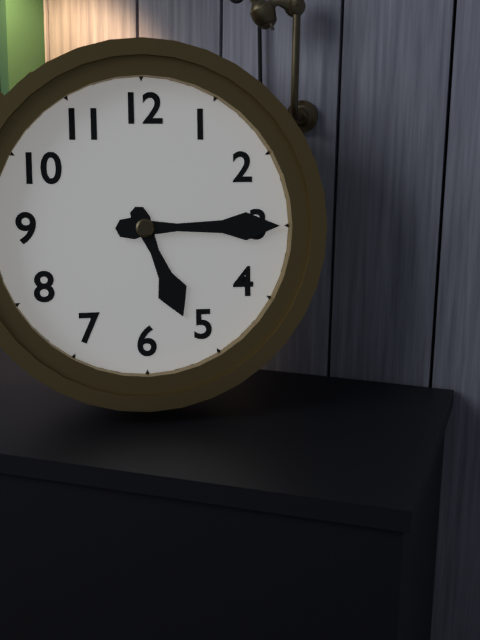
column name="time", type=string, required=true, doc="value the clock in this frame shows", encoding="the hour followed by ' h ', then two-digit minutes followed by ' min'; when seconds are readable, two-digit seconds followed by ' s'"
5 h 15 min
